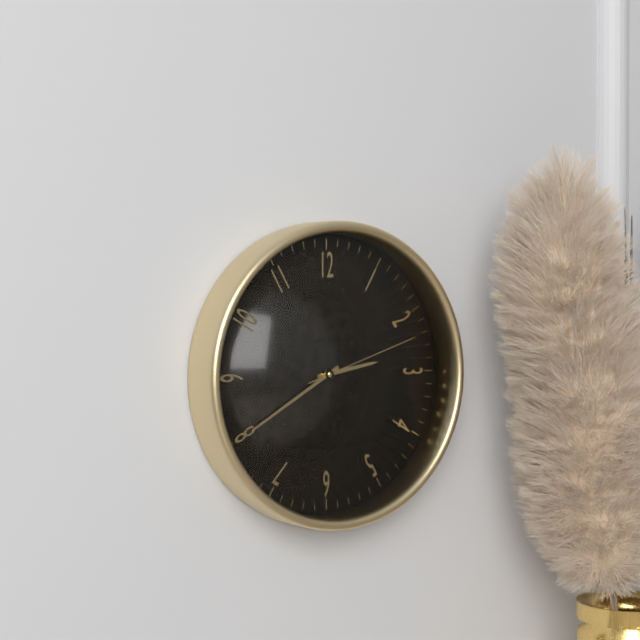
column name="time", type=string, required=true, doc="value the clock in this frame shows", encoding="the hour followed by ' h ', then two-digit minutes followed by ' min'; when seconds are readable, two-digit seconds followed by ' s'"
2 h 40 min 12 s
